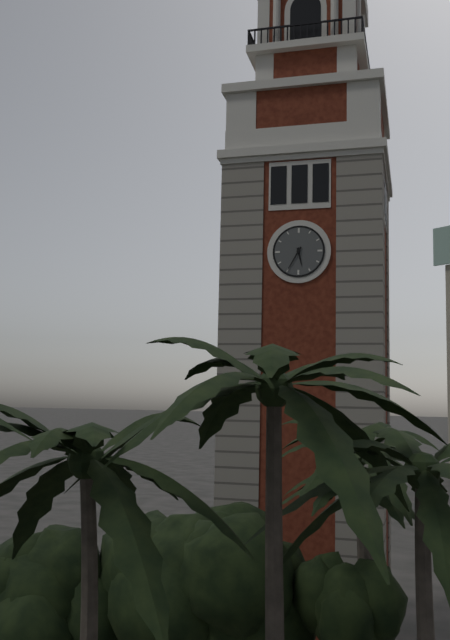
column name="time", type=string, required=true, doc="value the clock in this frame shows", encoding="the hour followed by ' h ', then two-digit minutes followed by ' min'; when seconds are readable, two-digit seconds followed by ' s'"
5 h 35 min
